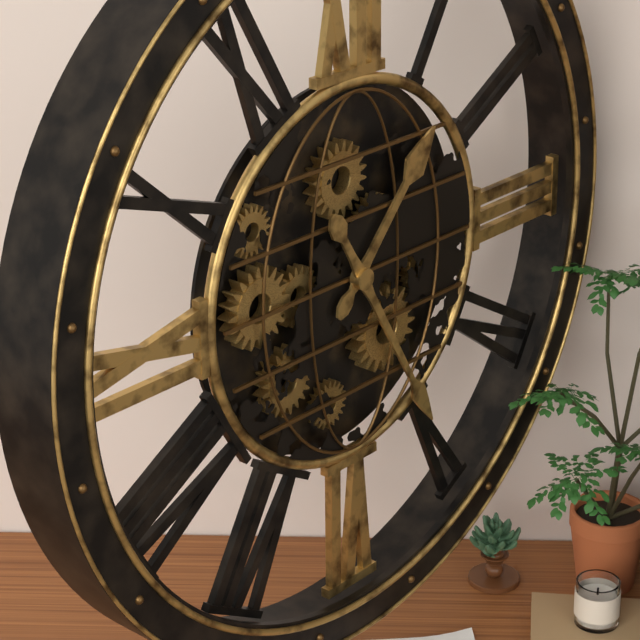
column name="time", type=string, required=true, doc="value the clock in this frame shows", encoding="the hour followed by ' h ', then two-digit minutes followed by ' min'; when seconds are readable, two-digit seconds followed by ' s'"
1 h 25 min
